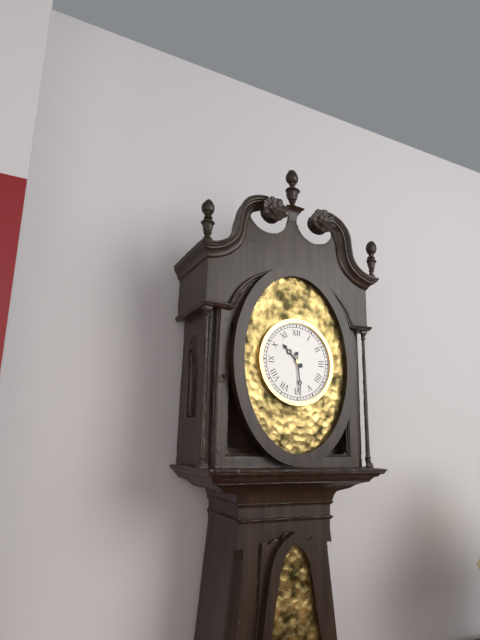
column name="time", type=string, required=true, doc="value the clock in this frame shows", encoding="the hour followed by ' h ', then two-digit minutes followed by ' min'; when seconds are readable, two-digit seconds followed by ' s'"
10 h 29 min
